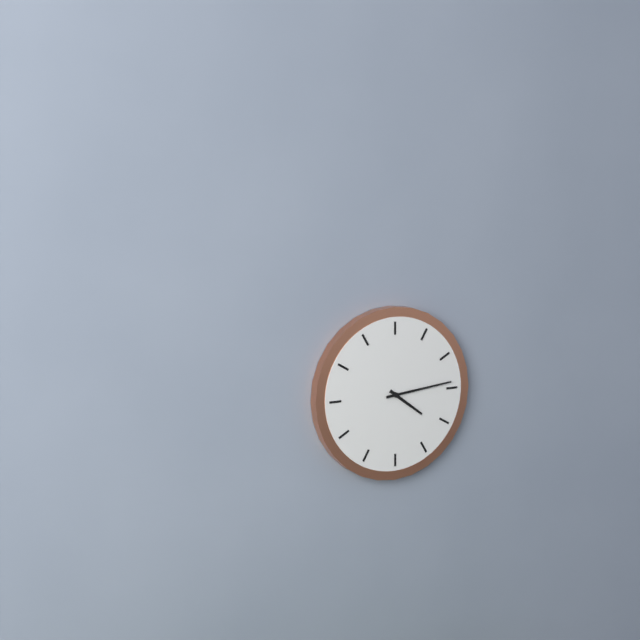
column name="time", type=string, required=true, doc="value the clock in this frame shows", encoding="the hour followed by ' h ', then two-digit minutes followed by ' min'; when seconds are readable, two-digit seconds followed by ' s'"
4 h 14 min
